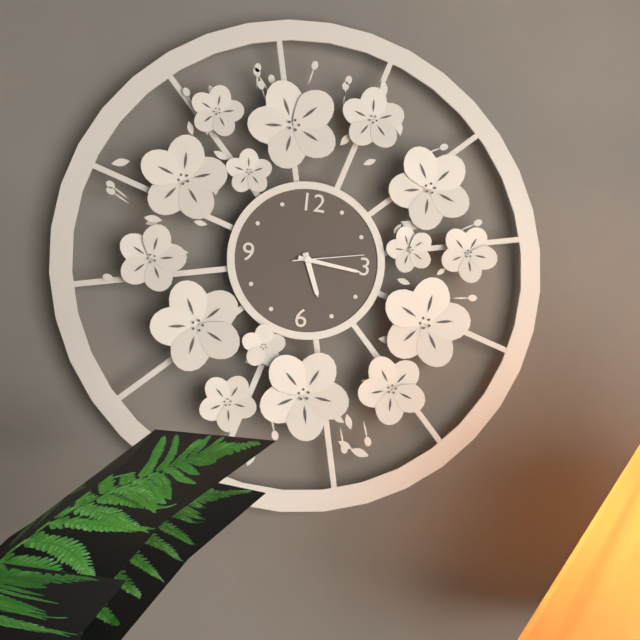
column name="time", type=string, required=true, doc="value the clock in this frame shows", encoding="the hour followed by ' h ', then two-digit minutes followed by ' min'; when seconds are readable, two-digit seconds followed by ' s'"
5 h 16 min 13 s
